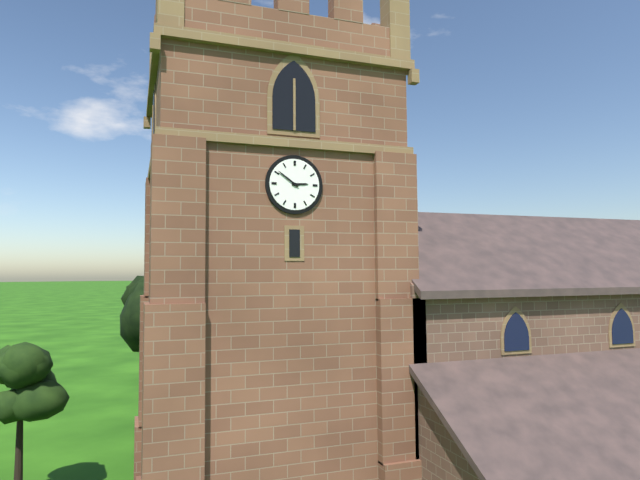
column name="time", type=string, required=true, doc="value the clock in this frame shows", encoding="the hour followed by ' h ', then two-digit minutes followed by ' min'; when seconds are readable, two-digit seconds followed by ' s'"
2 h 51 min
